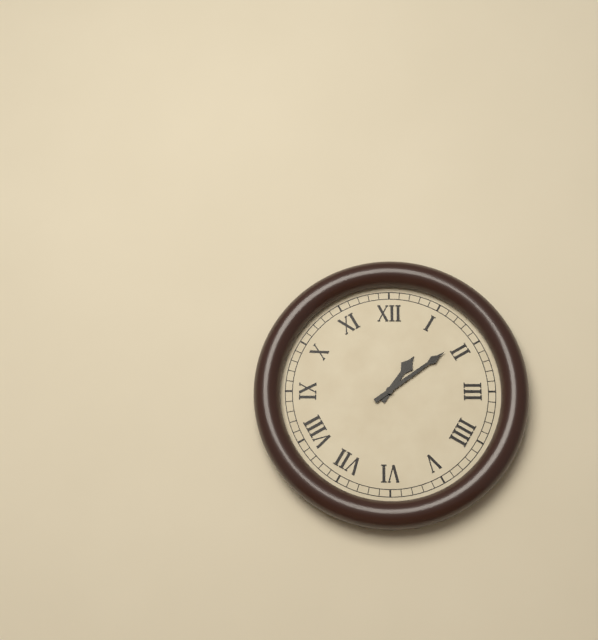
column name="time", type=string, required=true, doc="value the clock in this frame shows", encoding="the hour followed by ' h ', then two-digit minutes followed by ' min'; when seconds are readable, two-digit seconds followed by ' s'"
1 h 09 min
